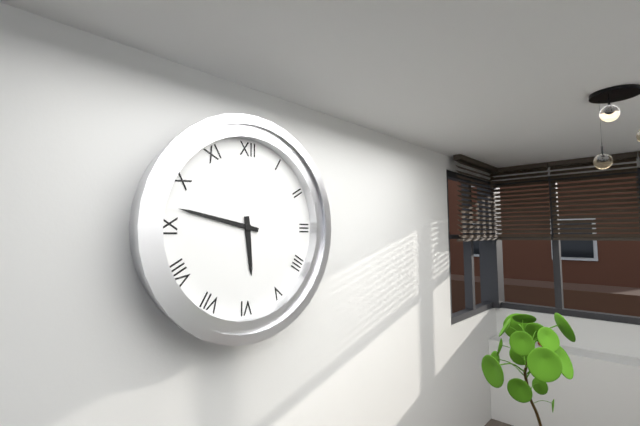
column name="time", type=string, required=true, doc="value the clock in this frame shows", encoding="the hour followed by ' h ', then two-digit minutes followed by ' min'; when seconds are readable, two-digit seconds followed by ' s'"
5 h 47 min
